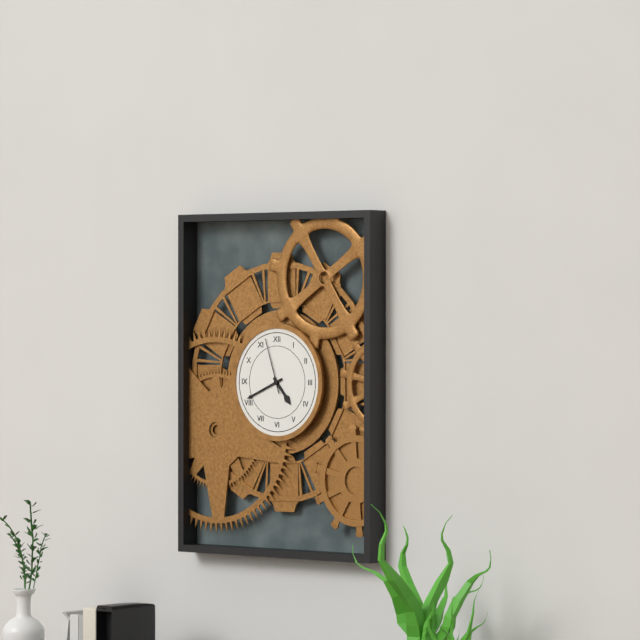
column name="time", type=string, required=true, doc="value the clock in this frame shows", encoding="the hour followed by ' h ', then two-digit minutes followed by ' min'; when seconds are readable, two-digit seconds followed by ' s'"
4 h 41 min 57 s
